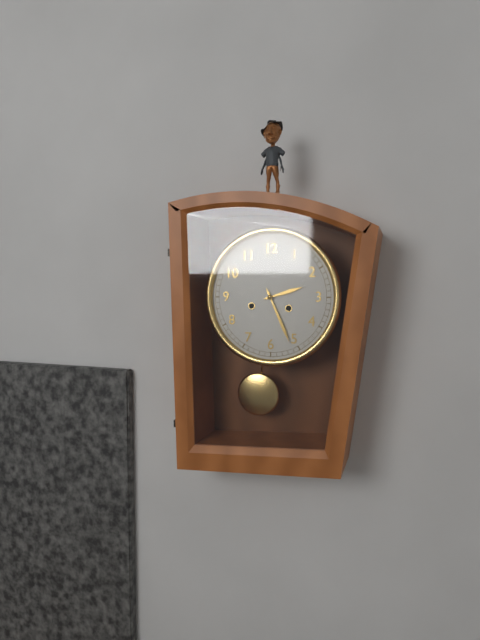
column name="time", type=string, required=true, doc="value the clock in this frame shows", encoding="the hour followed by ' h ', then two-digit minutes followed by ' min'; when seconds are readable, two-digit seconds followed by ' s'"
2 h 26 min
